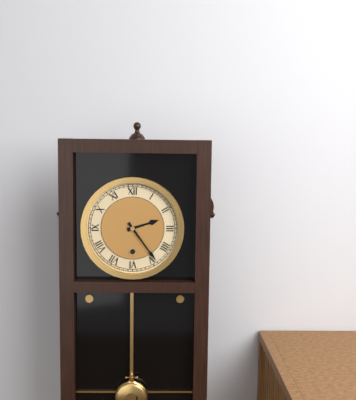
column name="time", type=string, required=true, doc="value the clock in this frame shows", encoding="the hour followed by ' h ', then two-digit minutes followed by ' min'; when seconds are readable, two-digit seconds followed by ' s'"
2 h 24 min
